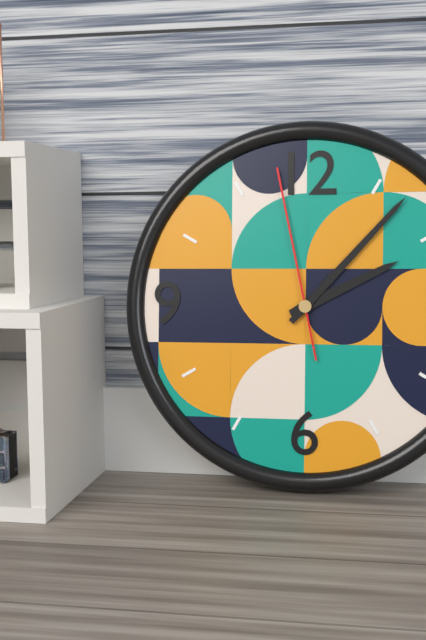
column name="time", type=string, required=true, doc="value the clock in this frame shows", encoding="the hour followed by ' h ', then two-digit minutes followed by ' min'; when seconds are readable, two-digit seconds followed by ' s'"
2 h 07 min 58 s
